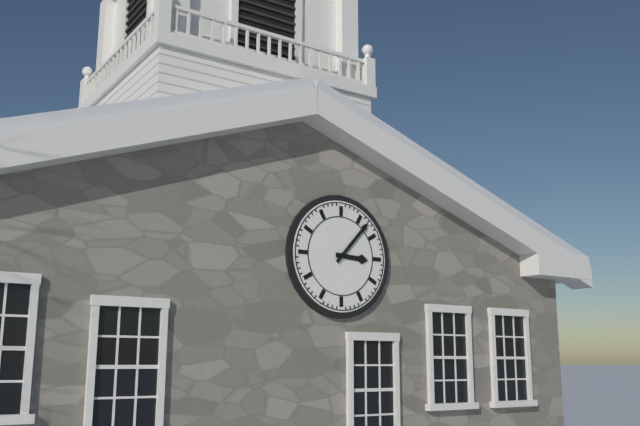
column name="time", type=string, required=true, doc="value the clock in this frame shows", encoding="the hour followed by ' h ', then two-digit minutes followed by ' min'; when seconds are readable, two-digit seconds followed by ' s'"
3 h 07 min
